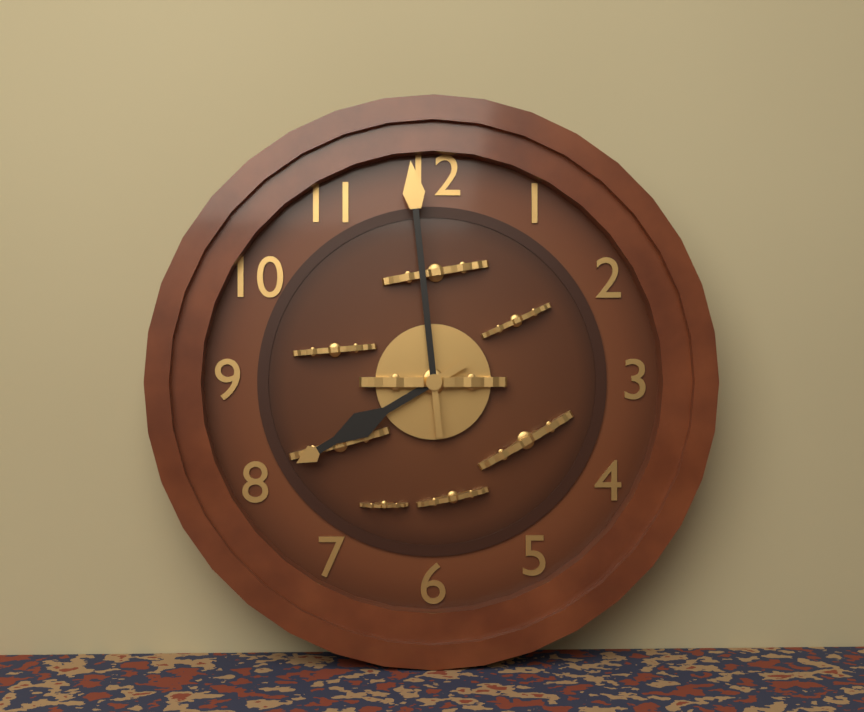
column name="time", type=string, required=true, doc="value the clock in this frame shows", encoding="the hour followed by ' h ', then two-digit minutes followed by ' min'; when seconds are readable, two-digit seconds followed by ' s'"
7 h 59 min
